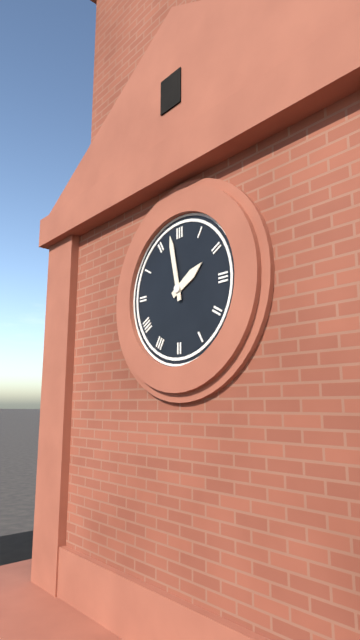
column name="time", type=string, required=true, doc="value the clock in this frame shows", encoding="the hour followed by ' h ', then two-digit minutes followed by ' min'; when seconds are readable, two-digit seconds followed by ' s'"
1 h 58 min
